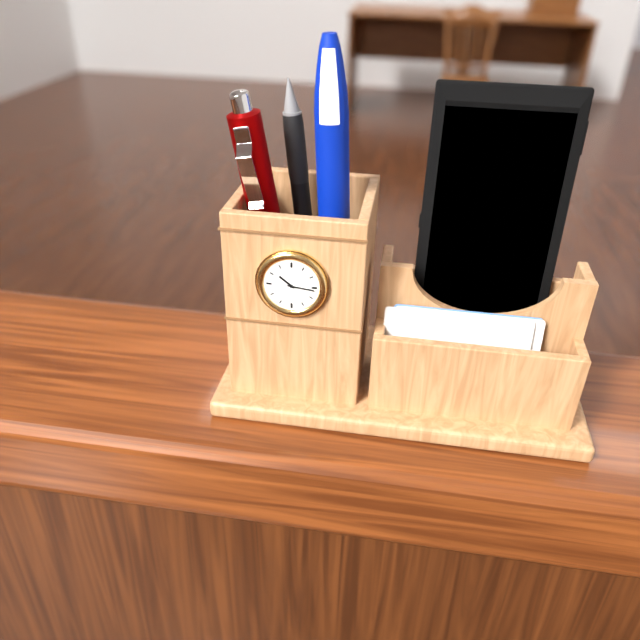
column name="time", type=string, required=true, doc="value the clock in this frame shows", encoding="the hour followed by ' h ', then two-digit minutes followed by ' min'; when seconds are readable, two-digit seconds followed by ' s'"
10 h 16 min
